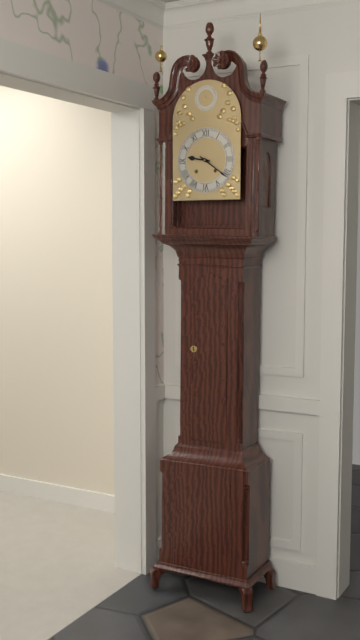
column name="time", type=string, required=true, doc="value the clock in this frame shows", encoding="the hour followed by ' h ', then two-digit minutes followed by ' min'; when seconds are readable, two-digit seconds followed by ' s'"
9 h 21 min
